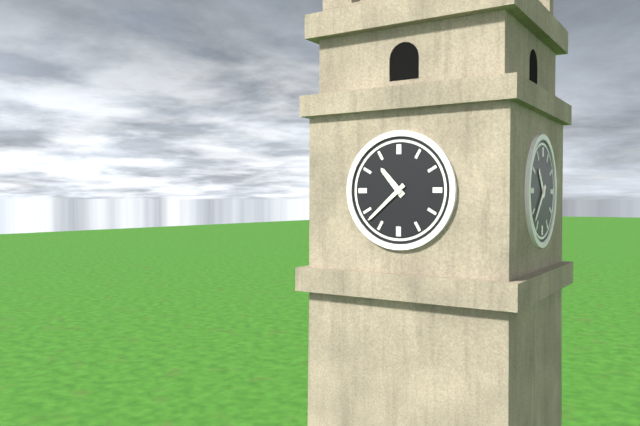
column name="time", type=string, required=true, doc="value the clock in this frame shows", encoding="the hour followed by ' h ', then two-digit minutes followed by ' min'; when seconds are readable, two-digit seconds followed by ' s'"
10 h 38 min
